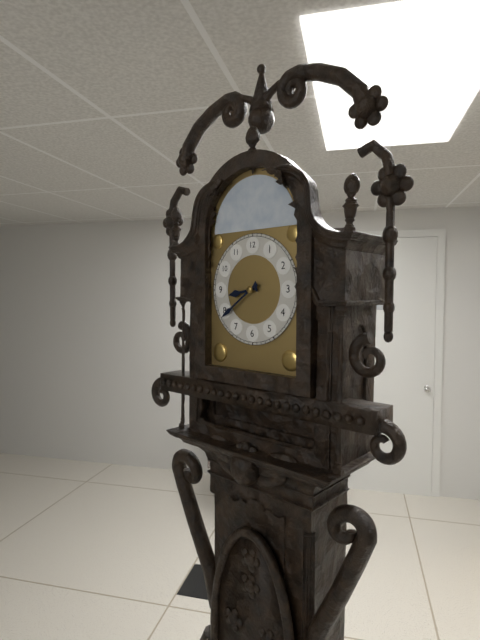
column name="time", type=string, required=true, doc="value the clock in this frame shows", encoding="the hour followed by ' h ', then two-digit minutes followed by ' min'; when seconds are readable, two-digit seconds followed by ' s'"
8 h 39 min
